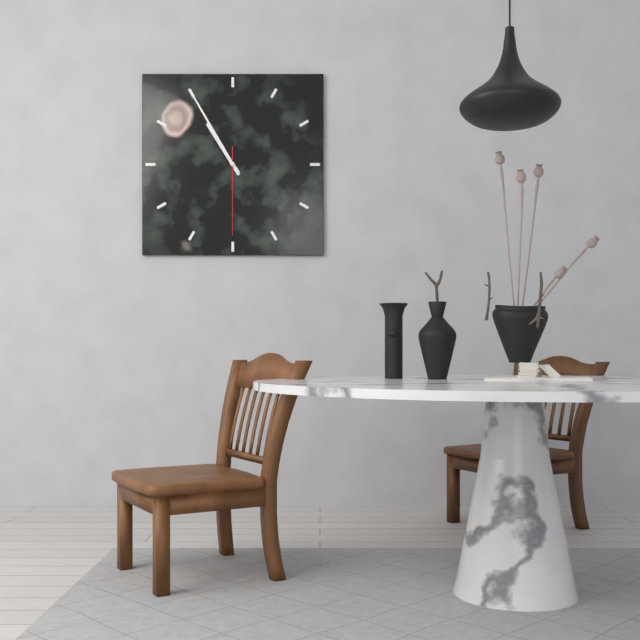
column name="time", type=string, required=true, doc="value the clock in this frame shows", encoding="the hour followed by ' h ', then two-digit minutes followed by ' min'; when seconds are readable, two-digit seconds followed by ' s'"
10 h 55 min 30 s
